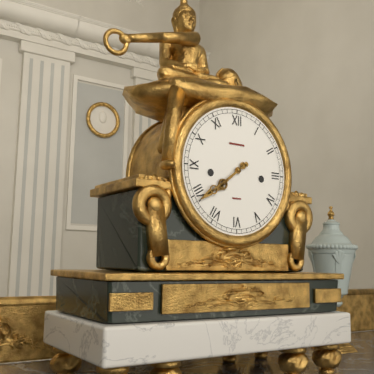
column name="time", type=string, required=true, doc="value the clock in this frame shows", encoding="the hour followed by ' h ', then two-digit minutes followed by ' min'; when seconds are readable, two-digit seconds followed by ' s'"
7 h 39 min
